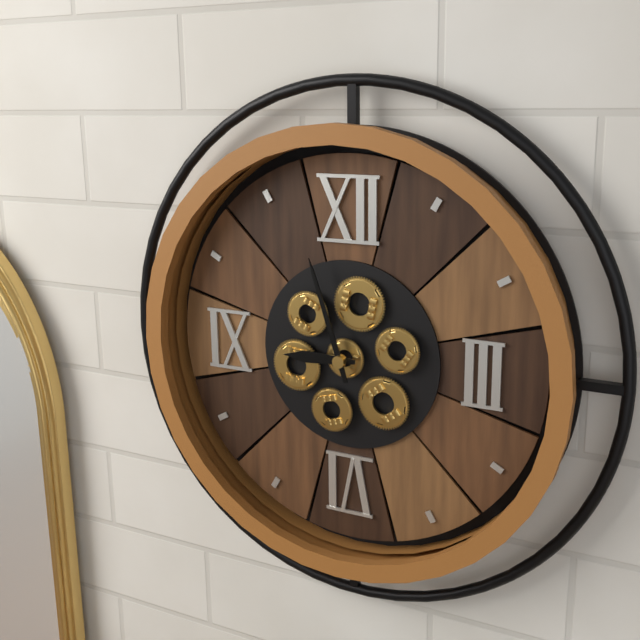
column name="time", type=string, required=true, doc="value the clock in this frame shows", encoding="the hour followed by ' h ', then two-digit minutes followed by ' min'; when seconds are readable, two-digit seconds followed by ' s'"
8 h 57 min
